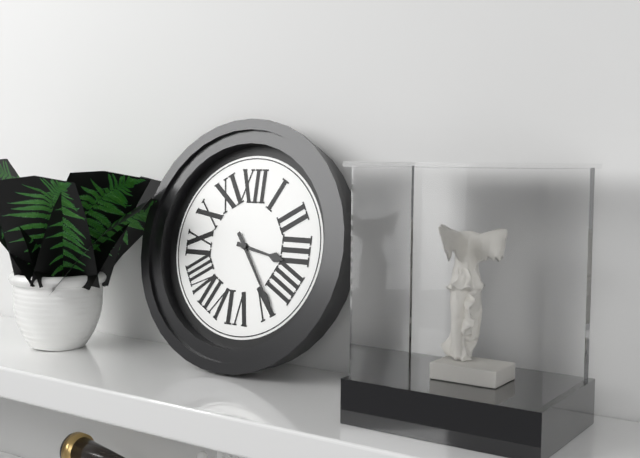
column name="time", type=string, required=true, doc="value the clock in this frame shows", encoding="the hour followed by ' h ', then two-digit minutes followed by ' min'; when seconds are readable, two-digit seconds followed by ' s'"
3 h 24 min
